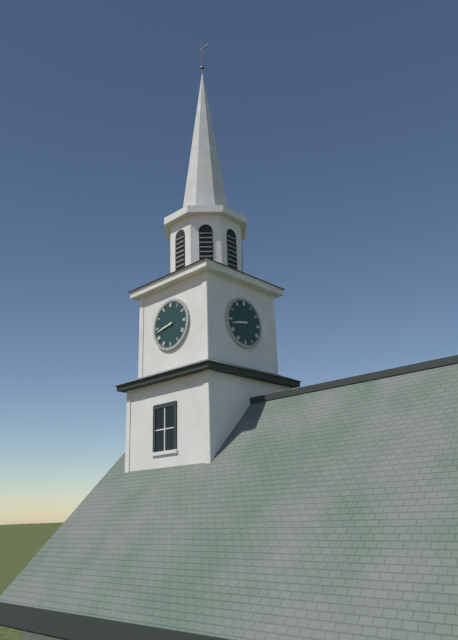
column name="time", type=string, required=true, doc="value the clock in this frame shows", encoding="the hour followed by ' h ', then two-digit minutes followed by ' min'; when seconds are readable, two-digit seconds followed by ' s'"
8 h 43 min
